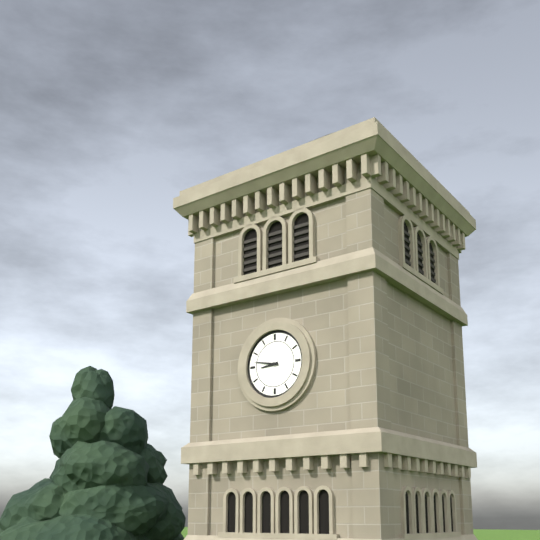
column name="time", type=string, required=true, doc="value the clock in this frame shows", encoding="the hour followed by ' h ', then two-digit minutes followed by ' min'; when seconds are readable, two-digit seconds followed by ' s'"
8 h 47 min
